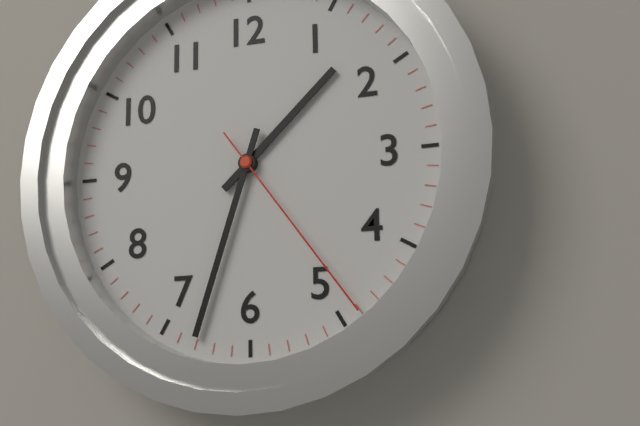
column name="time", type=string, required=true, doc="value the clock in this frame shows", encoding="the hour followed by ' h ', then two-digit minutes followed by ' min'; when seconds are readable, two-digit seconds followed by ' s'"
1 h 33 min 24 s
